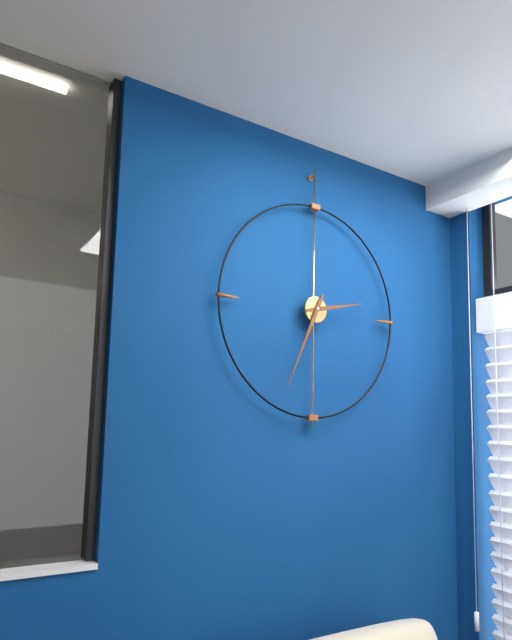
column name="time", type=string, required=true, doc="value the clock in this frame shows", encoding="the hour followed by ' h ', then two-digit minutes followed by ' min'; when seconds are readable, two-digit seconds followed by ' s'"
2 h 34 min
